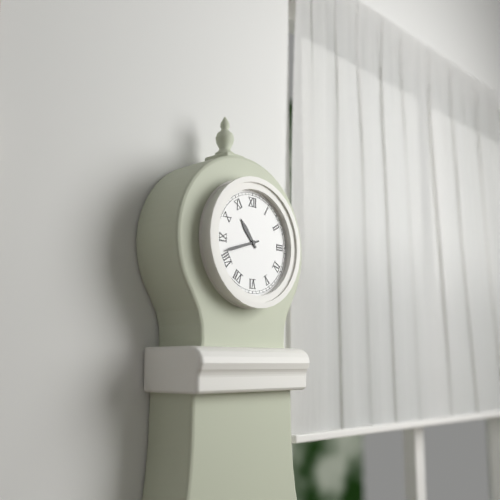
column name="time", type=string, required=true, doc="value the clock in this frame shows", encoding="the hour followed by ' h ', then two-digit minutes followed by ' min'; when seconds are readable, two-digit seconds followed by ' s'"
10 h 42 min
